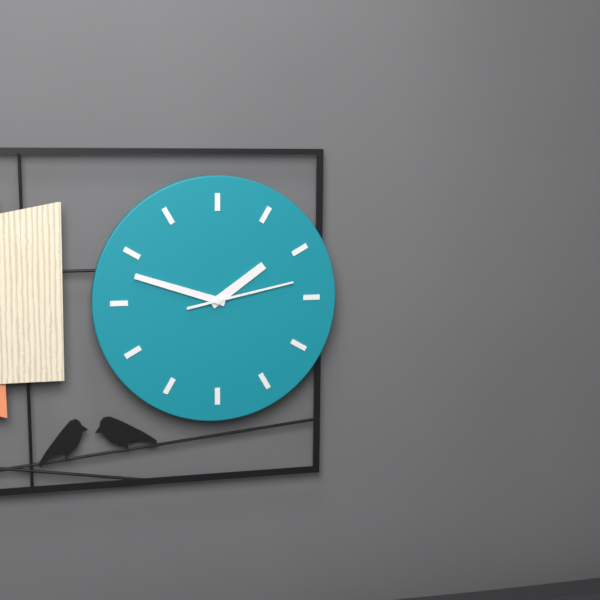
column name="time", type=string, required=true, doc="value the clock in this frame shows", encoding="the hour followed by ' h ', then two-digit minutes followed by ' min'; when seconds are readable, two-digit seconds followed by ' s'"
1 h 48 min 13 s
